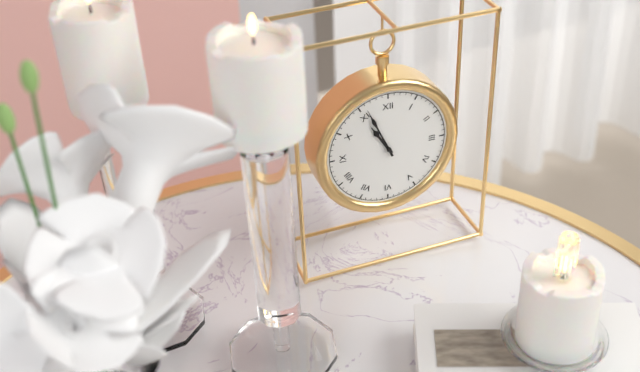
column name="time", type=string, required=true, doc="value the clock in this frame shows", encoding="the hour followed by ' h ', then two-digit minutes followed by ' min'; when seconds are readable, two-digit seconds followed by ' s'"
10 h 56 min
